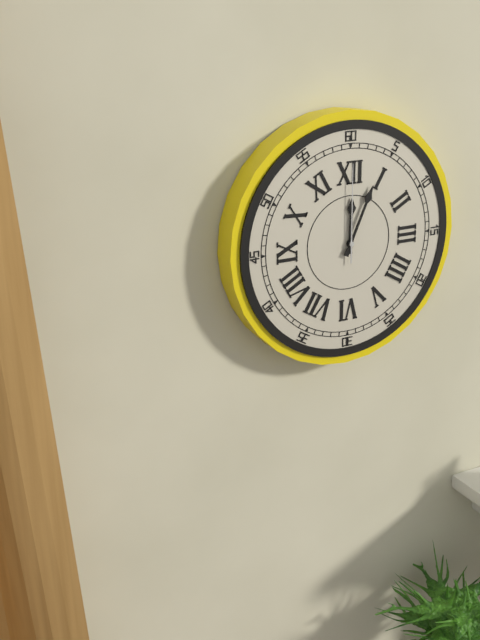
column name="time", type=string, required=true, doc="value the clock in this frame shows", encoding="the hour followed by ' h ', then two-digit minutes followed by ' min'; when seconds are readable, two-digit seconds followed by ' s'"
12 h 04 min 00 s
